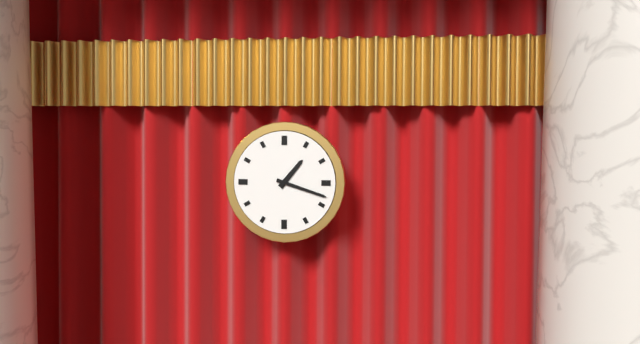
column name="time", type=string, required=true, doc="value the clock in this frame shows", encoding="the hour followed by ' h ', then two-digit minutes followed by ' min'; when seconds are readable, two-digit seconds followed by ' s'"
1 h 18 min
